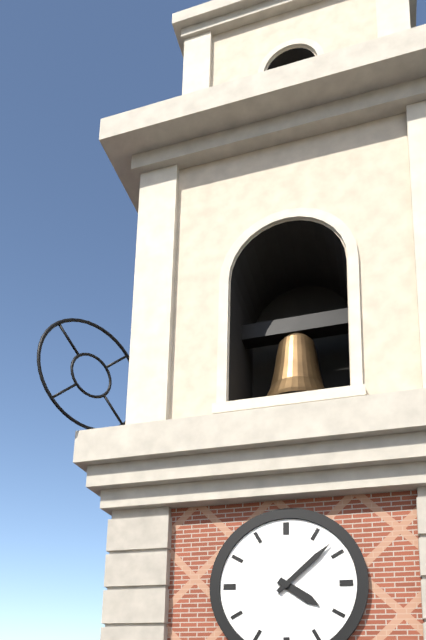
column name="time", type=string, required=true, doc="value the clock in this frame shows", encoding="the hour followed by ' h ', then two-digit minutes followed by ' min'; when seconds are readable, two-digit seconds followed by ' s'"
4 h 08 min
